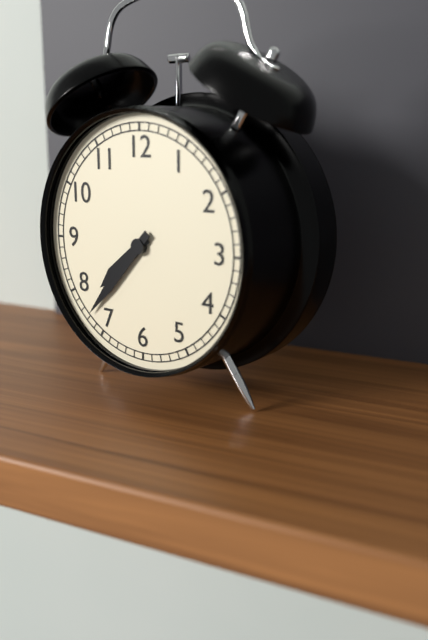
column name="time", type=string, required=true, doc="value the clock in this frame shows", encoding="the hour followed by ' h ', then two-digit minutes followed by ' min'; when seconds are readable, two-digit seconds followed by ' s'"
7 h 37 min
